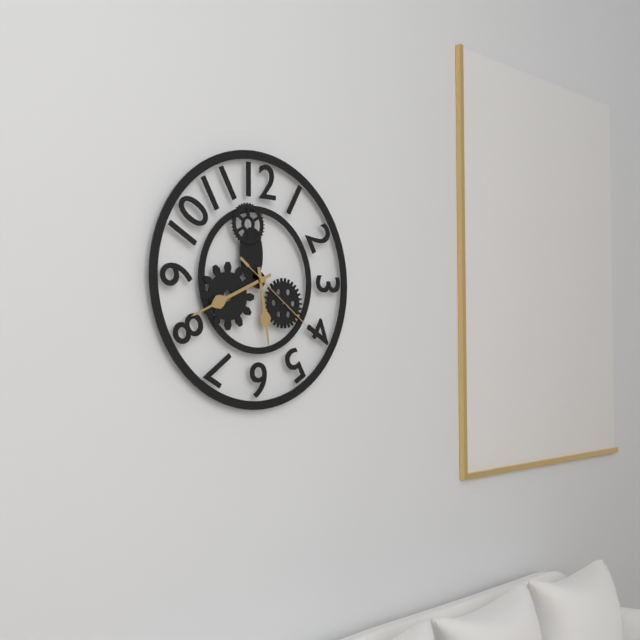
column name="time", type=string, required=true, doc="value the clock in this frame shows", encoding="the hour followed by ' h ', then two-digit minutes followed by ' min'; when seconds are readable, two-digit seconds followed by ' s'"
5 h 41 min 21 s
